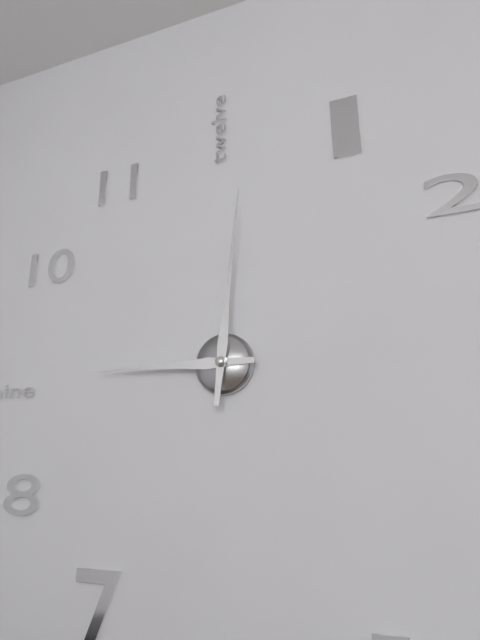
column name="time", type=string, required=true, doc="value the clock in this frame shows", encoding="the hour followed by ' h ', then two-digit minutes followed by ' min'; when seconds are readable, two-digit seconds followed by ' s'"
9 h 01 min
